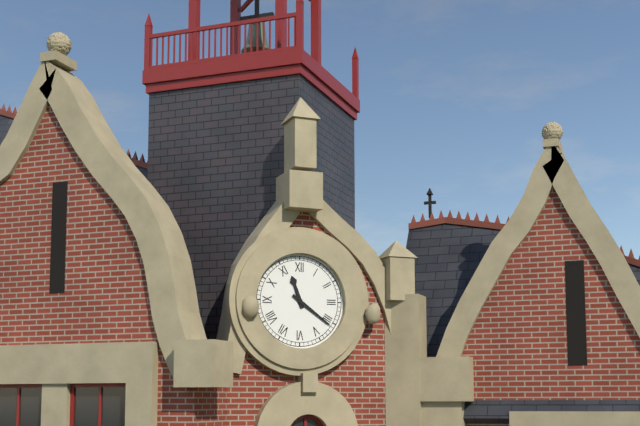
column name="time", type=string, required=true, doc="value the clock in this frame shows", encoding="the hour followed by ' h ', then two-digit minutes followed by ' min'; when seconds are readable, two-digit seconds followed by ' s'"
11 h 21 min
